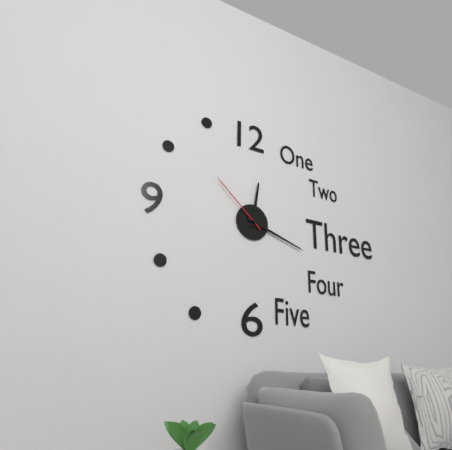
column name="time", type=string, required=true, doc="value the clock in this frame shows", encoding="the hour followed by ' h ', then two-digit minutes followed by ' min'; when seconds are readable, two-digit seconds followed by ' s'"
12 h 18 min 52 s
